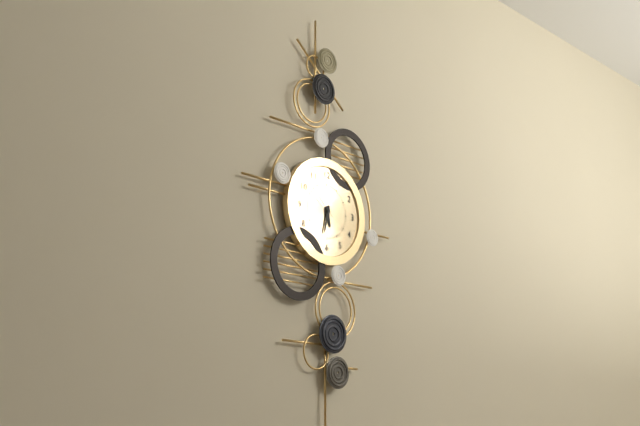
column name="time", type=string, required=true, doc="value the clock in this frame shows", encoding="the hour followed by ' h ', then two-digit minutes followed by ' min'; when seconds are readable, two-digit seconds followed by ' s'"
5 h 32 min
